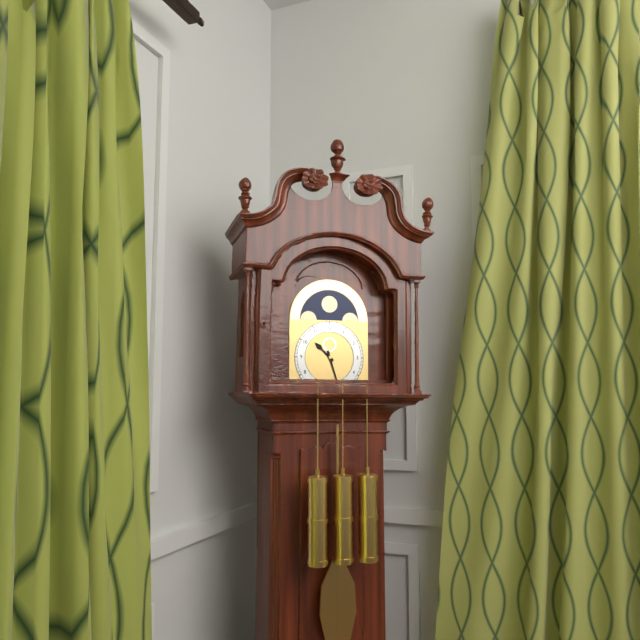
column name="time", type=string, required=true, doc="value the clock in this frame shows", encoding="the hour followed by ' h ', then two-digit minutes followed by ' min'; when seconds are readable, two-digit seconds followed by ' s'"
10 h 27 min
